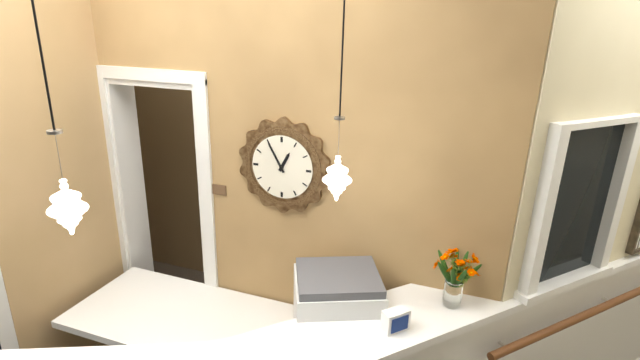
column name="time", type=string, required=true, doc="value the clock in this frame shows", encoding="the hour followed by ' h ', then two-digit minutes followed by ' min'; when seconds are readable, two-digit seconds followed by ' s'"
12 h 55 min
